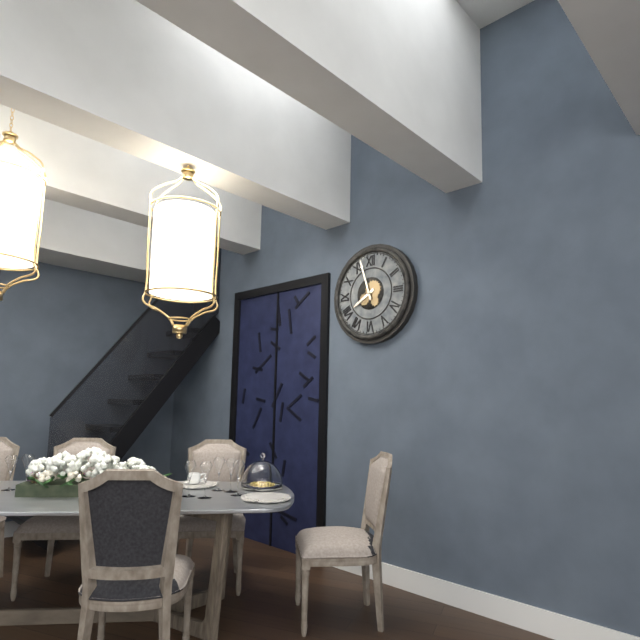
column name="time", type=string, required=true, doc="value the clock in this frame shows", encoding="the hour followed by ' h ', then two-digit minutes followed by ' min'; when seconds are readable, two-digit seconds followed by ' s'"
7 h 57 min
